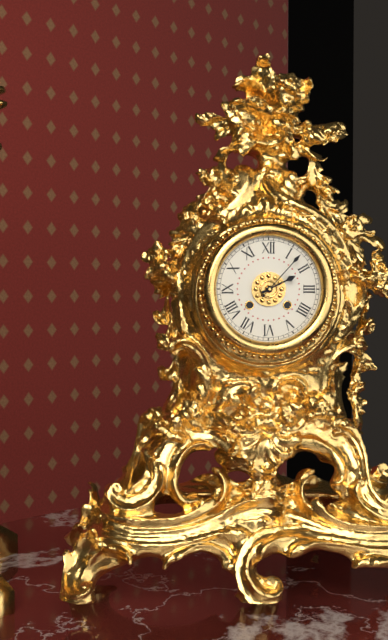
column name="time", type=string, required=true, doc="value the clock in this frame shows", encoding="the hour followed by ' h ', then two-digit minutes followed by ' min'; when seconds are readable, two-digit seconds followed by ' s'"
2 h 07 min
